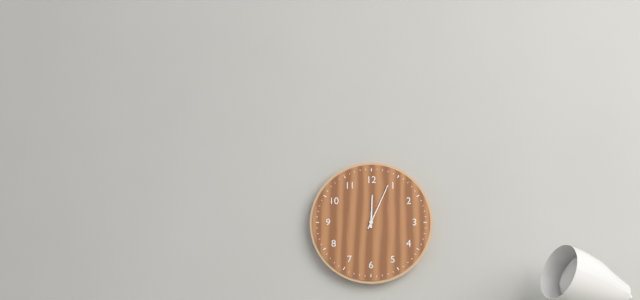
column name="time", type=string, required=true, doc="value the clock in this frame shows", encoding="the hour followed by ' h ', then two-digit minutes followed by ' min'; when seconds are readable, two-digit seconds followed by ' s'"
12 h 04 min
